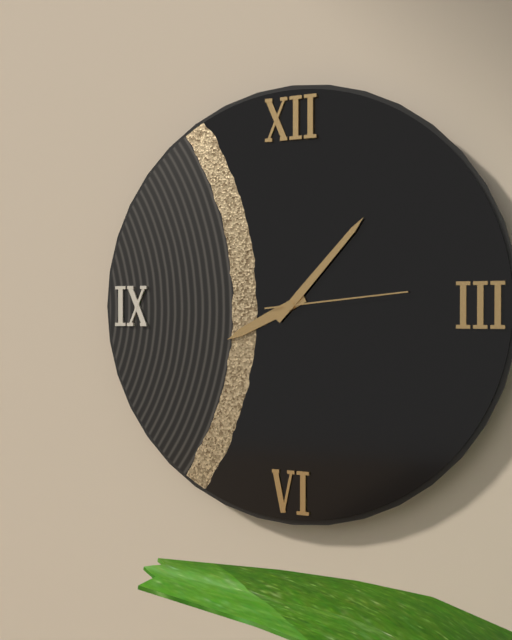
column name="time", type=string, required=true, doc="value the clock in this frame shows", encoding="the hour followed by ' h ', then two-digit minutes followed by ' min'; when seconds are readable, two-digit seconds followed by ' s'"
8 h 07 min 14 s
